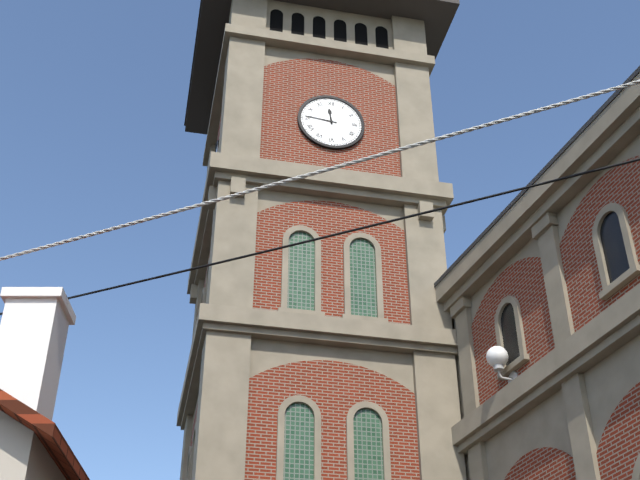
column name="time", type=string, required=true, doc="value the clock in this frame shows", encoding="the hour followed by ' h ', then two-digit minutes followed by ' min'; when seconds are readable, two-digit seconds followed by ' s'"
11 h 46 min
